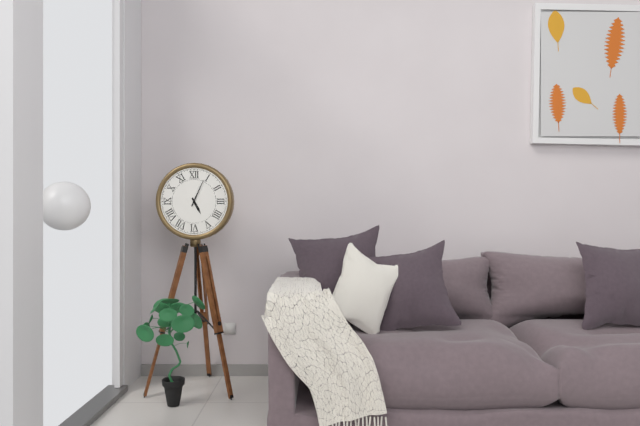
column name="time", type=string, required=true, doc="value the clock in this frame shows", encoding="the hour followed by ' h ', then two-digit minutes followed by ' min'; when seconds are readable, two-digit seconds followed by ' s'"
5 h 04 min
